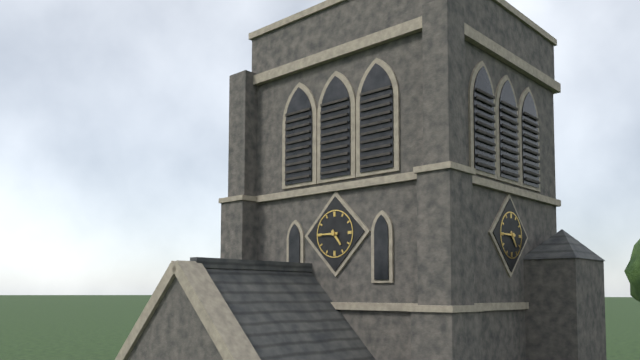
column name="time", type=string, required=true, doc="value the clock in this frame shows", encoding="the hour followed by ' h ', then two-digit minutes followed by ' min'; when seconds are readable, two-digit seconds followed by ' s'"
4 h 45 min
